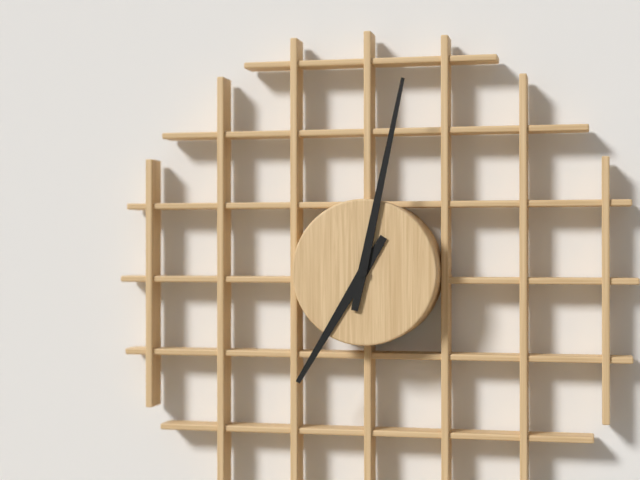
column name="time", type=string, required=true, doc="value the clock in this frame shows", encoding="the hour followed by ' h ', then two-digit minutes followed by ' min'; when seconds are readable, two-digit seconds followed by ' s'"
7 h 02 min
